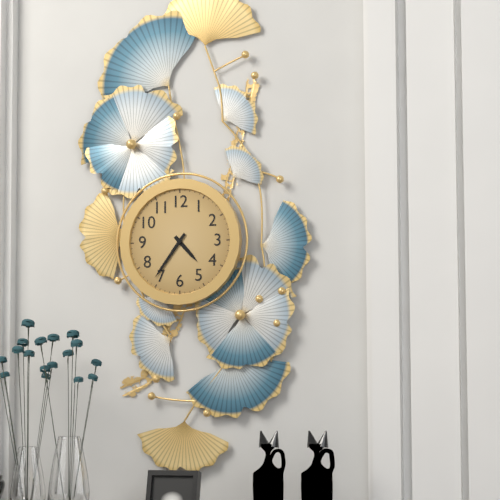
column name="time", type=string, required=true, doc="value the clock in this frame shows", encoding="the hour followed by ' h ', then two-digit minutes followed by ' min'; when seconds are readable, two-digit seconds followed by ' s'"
4 h 36 min
